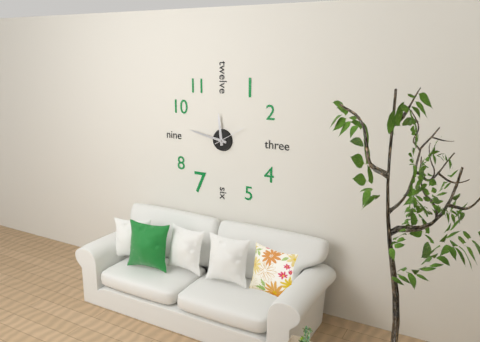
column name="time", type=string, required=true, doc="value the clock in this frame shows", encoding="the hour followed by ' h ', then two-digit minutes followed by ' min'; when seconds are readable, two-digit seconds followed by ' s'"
11 h 47 min
